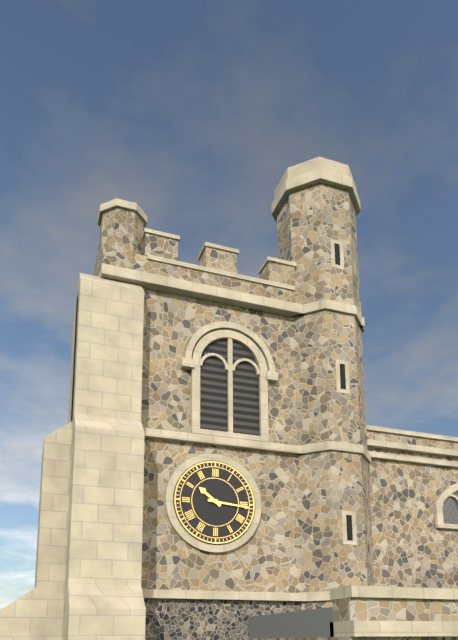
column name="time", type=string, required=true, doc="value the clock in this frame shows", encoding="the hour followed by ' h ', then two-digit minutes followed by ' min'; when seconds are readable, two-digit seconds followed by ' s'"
10 h 16 min
